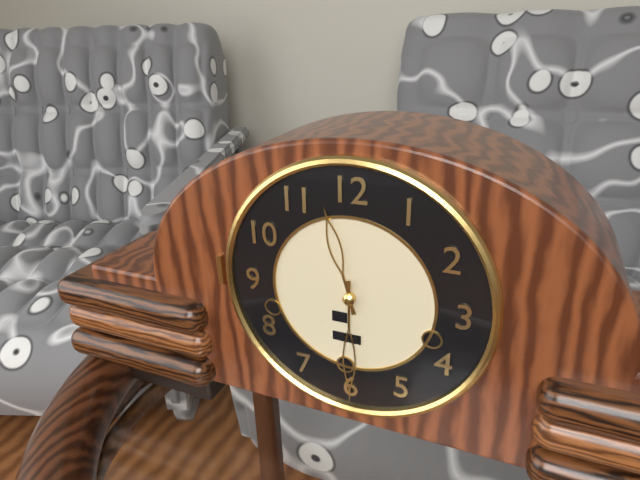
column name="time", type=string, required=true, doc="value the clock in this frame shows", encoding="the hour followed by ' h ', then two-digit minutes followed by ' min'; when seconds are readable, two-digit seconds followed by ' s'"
11 h 30 min
